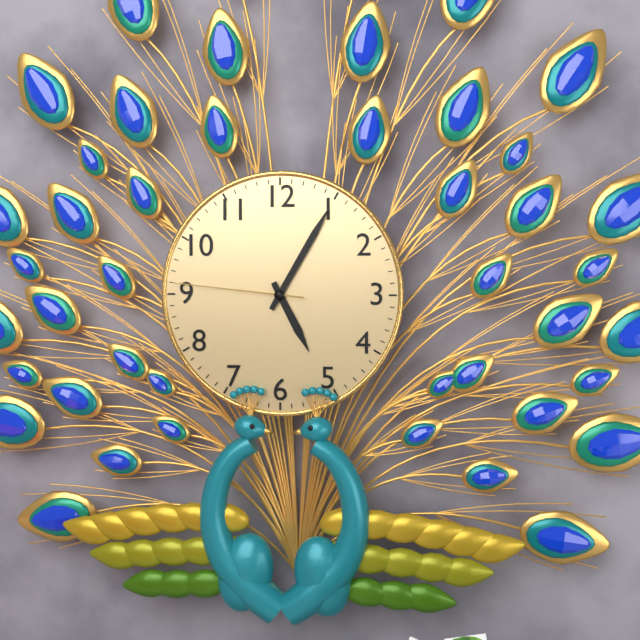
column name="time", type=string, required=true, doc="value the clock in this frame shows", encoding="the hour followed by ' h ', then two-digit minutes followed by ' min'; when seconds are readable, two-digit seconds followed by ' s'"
5 h 05 min 46 s
